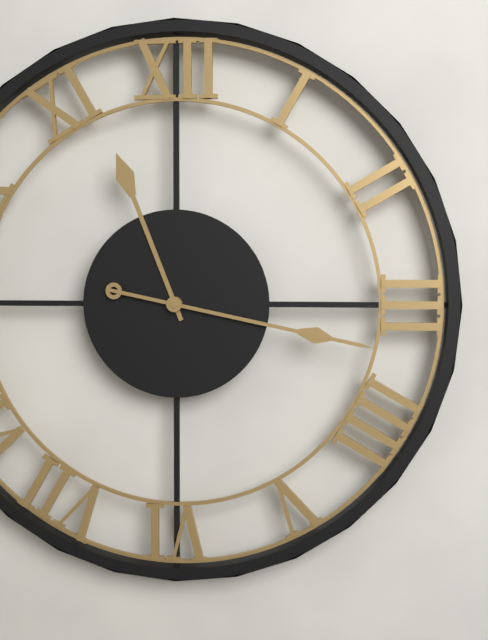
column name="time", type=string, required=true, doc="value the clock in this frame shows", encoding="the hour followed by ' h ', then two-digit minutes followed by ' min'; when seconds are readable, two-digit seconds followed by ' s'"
11 h 17 min
